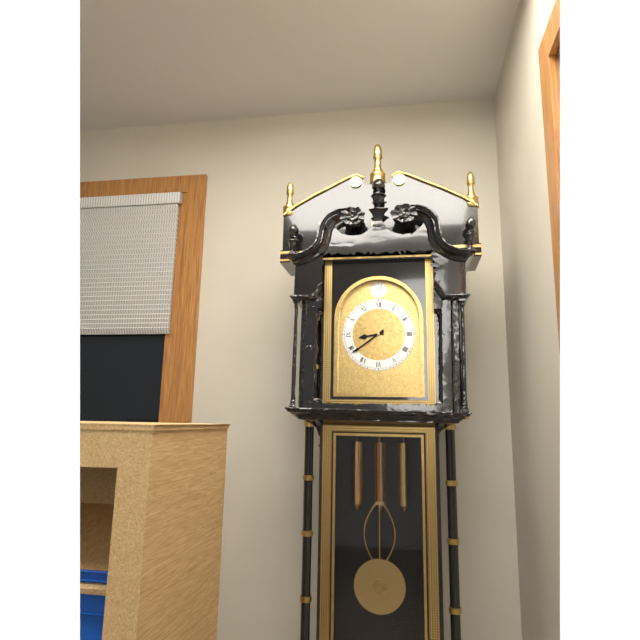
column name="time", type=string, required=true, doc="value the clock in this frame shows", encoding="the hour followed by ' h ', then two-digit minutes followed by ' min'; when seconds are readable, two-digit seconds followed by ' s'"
8 h 39 min
